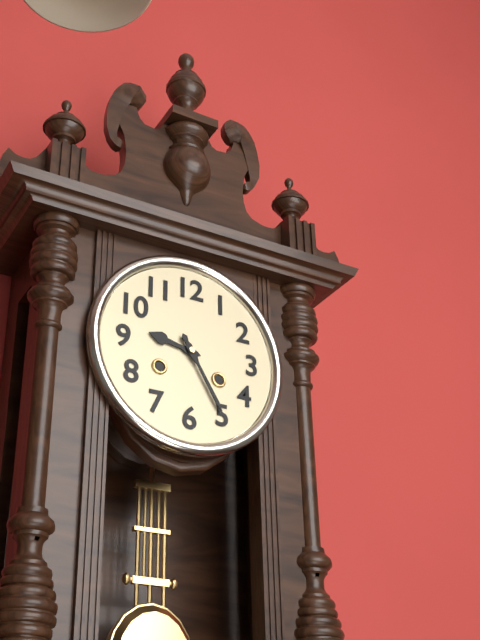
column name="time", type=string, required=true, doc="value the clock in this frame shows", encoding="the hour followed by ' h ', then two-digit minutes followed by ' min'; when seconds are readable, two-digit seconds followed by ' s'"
9 h 25 min
